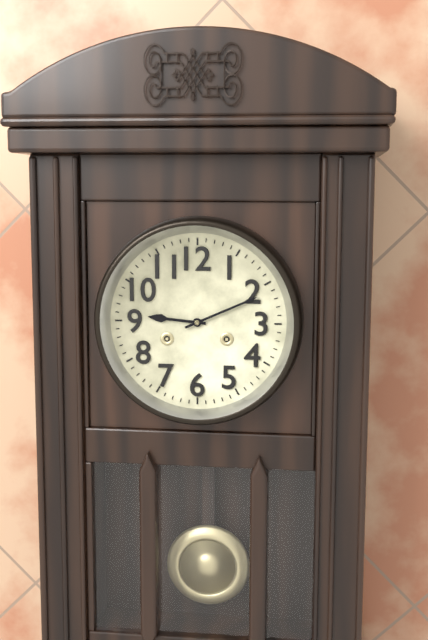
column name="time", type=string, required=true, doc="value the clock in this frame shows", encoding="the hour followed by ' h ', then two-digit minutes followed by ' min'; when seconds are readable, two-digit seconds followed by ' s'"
9 h 11 min
